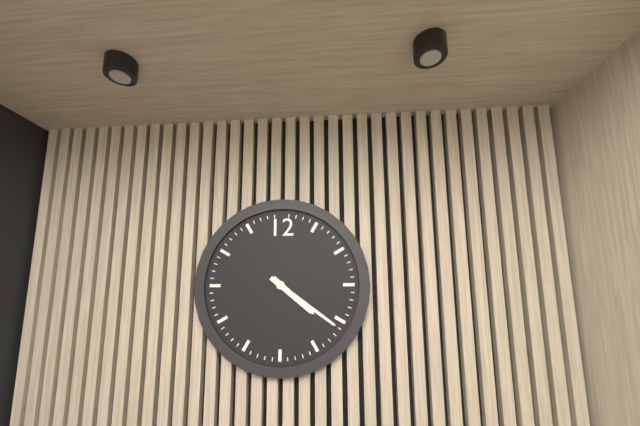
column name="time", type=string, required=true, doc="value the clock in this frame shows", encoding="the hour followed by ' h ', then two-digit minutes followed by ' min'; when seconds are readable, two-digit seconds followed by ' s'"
4 h 21 min
